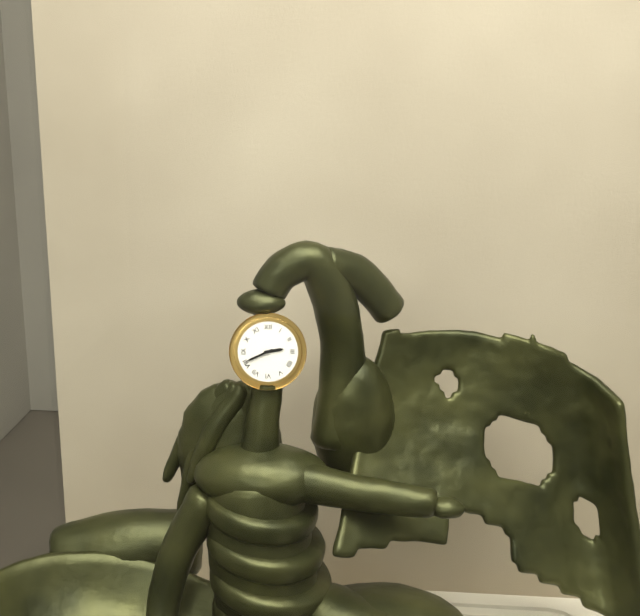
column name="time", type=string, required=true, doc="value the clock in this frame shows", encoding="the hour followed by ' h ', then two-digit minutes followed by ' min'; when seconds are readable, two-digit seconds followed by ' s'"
2 h 41 min
